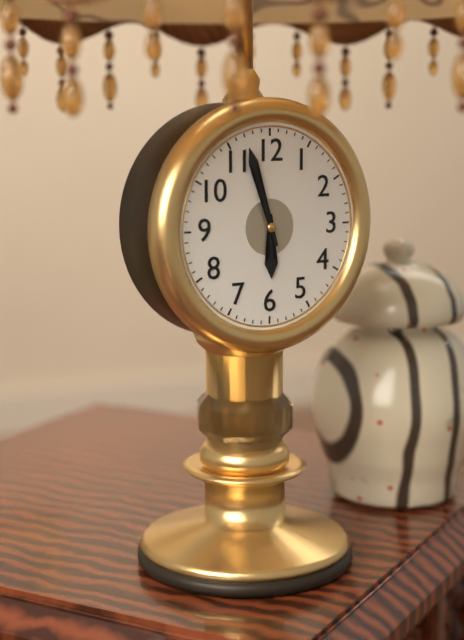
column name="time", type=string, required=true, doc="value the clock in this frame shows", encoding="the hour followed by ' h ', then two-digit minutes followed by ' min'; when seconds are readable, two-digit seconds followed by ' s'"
5 h 57 min
